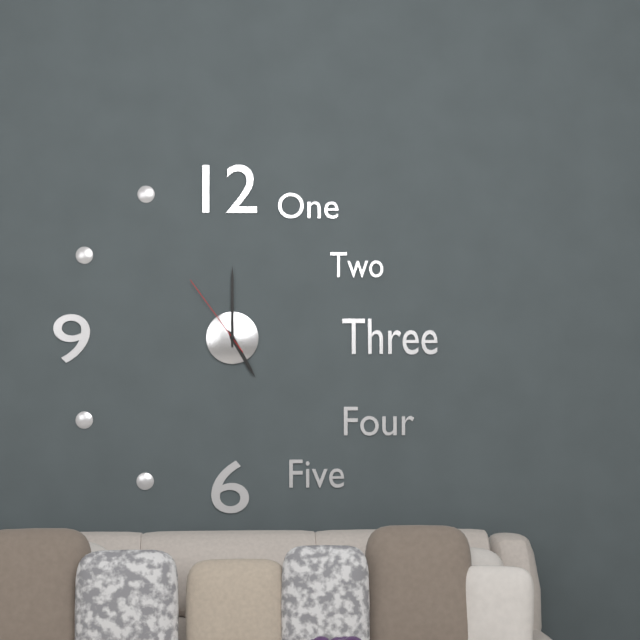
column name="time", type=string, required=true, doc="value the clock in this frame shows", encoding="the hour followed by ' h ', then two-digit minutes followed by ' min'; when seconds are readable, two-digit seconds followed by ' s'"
5 h 00 min 54 s
